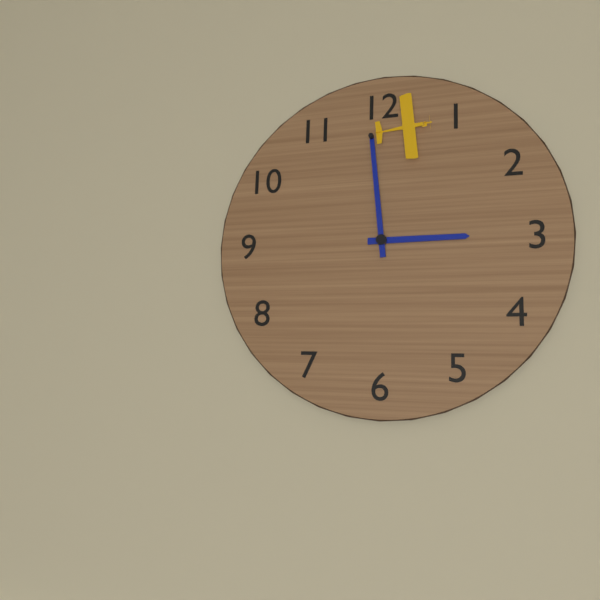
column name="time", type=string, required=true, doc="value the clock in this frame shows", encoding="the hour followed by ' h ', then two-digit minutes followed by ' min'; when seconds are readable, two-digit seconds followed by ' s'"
2 h 59 min
